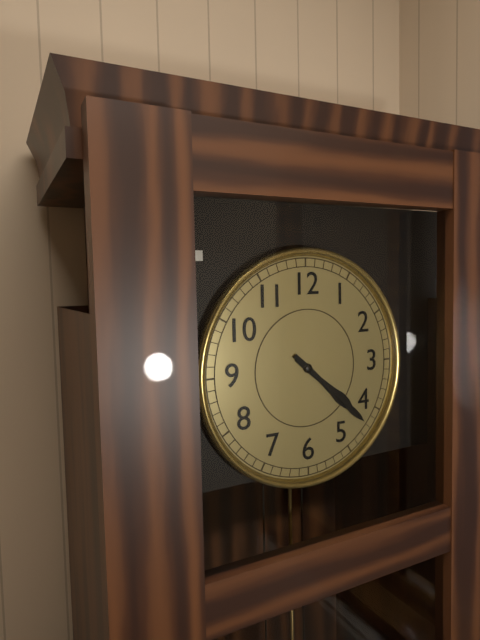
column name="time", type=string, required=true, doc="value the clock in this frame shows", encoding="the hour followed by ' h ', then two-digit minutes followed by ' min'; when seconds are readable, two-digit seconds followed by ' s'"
4 h 22 min
